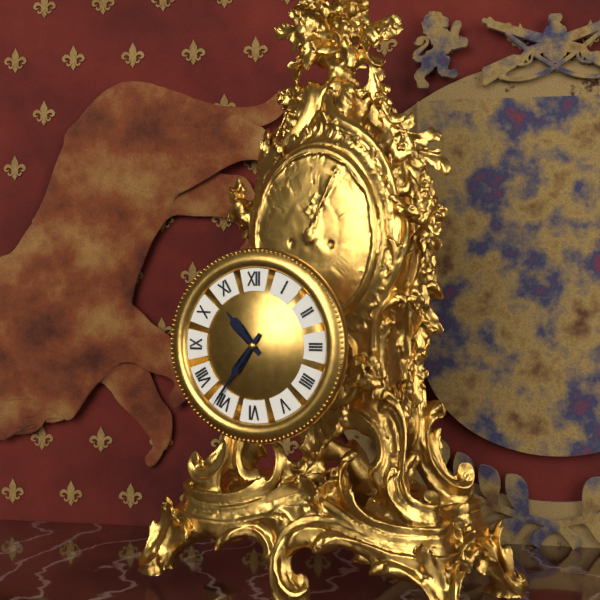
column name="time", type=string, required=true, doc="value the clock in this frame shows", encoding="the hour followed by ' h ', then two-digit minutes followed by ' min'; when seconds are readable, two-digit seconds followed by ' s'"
10 h 36 min
